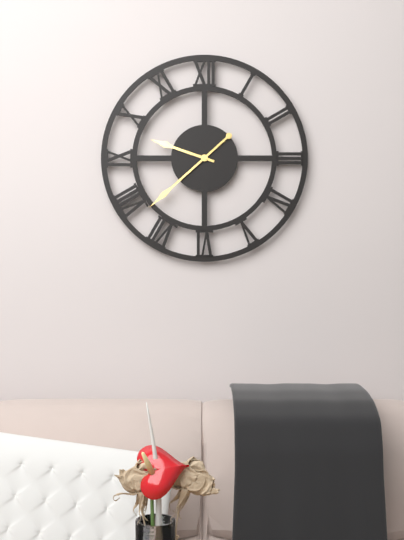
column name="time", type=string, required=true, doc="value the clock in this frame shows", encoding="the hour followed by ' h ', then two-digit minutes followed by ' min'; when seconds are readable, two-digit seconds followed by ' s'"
9 h 38 min
